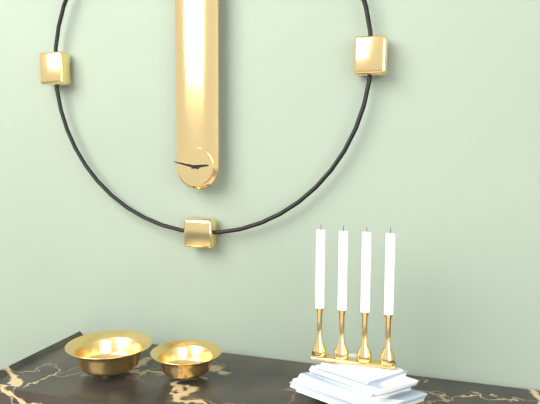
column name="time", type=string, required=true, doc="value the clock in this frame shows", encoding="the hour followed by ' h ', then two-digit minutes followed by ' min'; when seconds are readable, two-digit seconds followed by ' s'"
2 h 47 min
